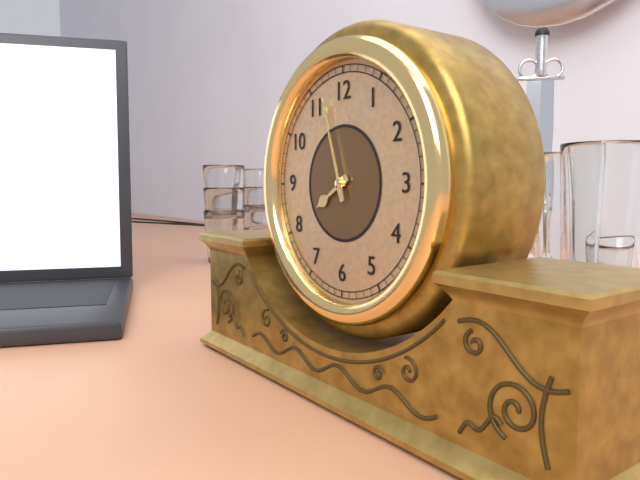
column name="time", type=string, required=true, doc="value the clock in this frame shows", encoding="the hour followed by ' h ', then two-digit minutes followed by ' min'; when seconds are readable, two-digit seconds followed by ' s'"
7 h 57 min
